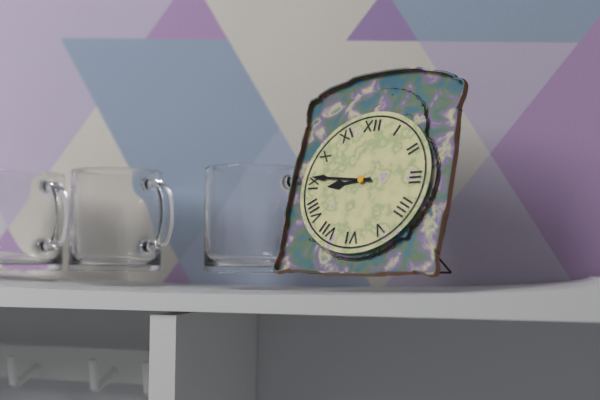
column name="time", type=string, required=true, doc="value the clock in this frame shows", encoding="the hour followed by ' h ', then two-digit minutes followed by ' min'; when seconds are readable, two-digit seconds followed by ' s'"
8 h 46 min
